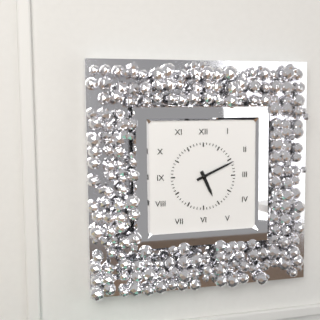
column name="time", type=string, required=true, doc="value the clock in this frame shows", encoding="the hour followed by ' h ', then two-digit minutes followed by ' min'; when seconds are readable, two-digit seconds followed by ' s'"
5 h 11 min
